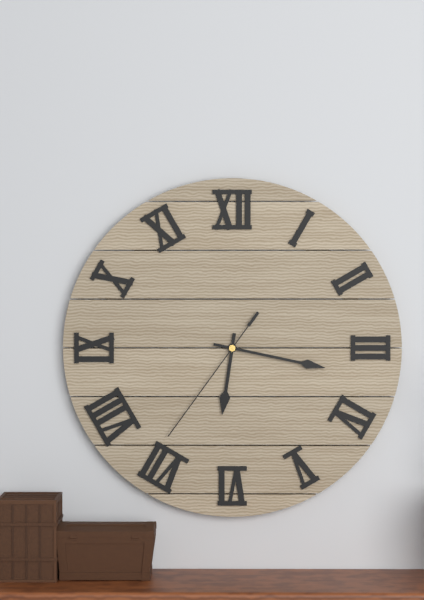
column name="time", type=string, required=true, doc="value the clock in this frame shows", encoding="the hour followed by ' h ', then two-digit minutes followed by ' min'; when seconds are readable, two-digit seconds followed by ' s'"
6 h 17 min 36 s
